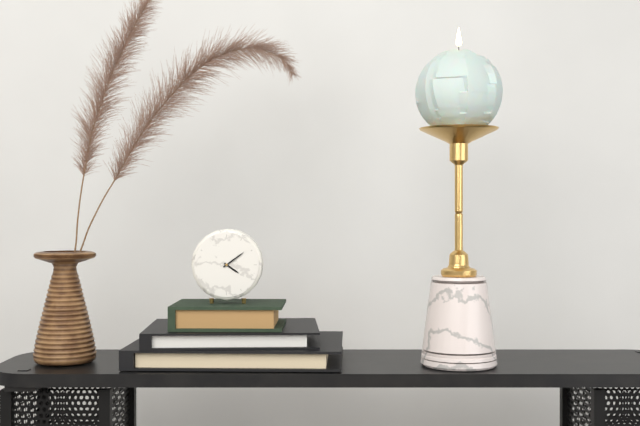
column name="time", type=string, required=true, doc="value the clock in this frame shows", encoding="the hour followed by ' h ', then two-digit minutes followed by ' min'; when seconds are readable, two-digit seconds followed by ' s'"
4 h 09 min
